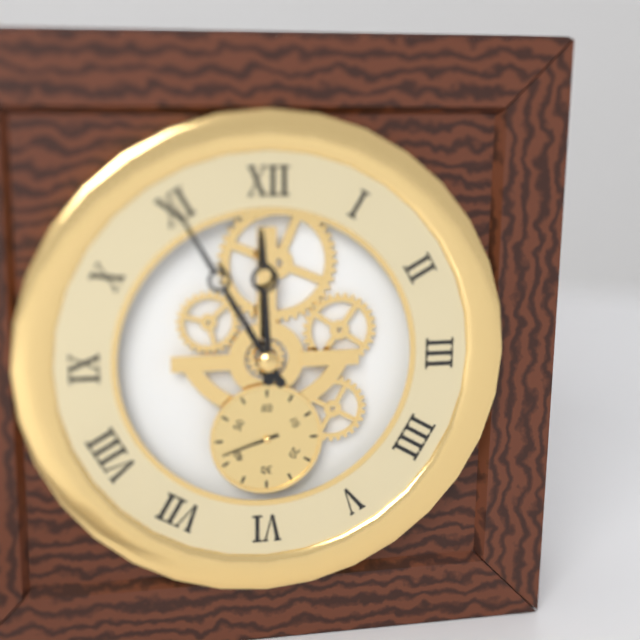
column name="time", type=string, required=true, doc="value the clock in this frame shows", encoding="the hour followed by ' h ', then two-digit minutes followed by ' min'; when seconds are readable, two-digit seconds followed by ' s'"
11 h 55 min 42 s
